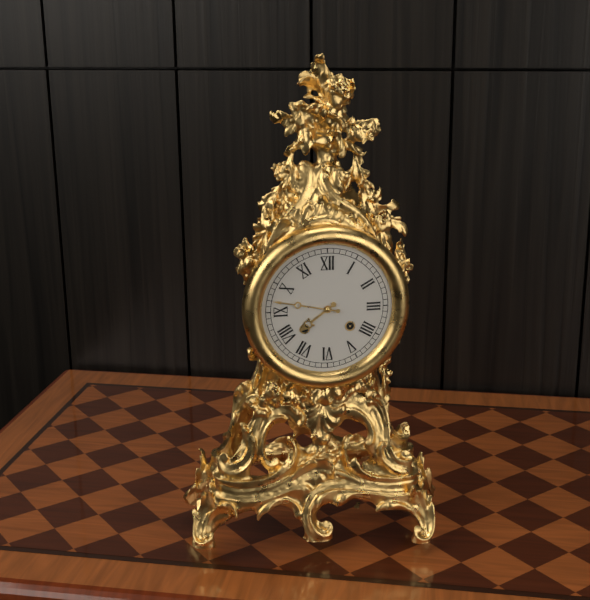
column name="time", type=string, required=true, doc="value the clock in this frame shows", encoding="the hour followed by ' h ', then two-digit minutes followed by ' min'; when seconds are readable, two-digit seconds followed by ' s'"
7 h 47 min
